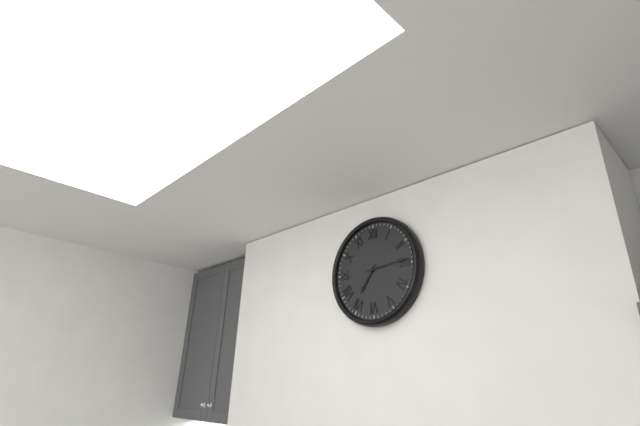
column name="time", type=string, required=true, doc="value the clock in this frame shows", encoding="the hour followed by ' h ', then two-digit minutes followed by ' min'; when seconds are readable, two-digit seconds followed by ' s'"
7 h 14 min
